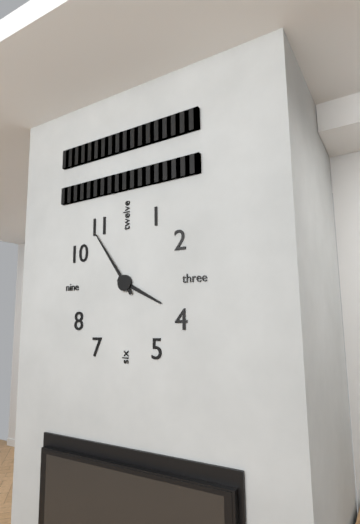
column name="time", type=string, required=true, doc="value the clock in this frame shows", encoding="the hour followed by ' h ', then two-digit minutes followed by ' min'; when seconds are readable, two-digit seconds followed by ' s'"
3 h 54 min
